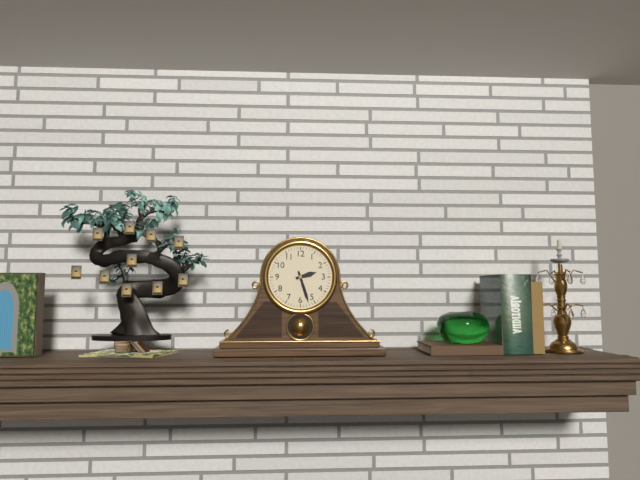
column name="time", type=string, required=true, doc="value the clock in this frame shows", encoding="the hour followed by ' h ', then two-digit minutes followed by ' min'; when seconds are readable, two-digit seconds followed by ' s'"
2 h 27 min
